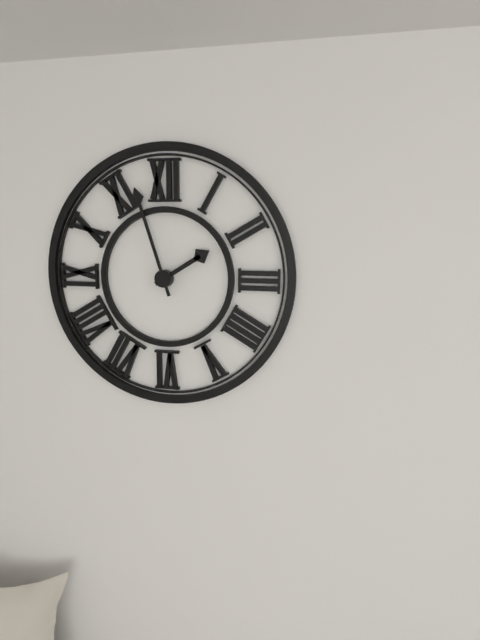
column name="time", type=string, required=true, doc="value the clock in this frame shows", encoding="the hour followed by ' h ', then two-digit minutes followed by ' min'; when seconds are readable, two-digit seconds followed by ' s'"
1 h 57 min
